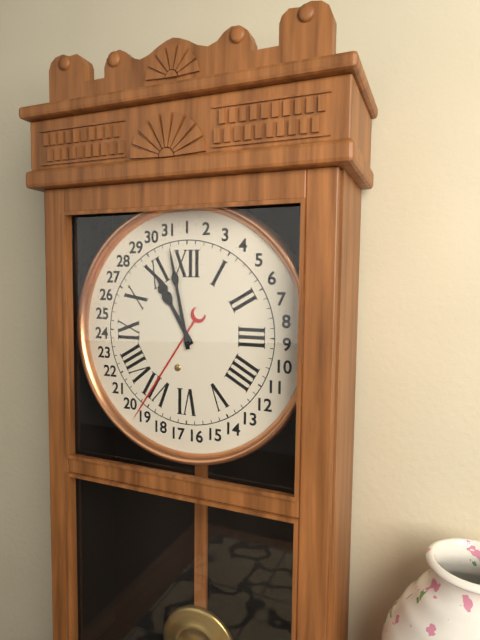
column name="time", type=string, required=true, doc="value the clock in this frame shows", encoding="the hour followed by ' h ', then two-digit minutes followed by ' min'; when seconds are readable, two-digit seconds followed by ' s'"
10 h 58 min
